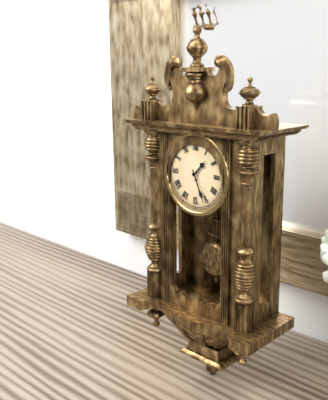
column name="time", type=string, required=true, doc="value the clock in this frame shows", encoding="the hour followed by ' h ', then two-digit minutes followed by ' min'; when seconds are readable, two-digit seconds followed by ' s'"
1 h 26 min
